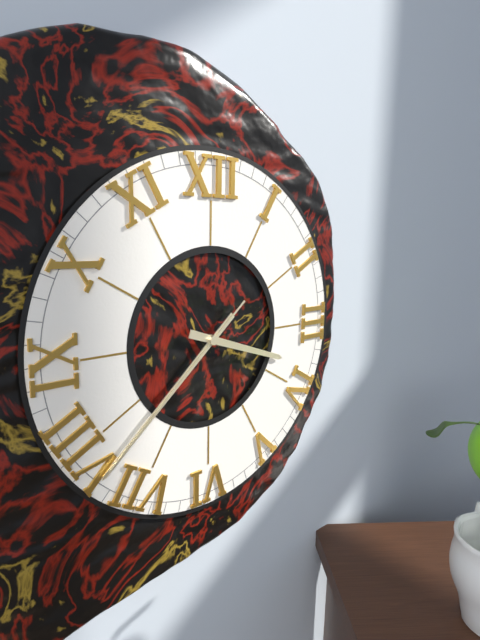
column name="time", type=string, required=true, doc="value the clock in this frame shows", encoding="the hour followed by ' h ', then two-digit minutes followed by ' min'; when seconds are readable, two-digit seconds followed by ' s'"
3 h 38 min 38 s
